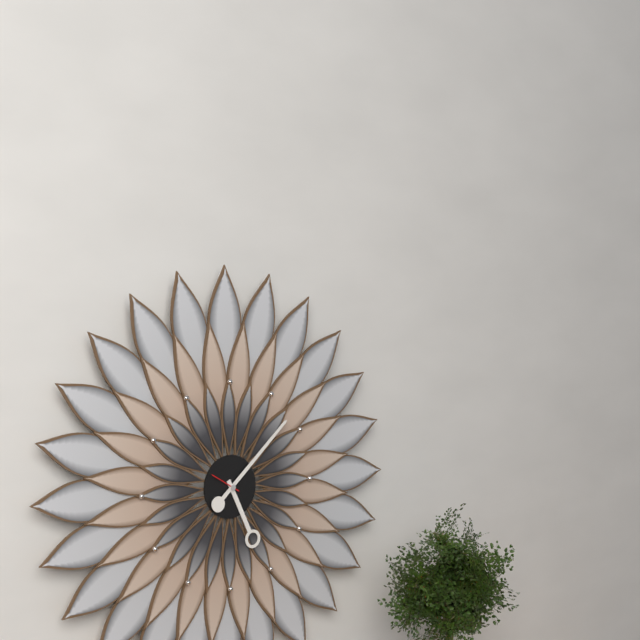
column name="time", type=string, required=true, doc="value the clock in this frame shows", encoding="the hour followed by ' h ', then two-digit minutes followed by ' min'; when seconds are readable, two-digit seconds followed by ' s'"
5 h 08 min
